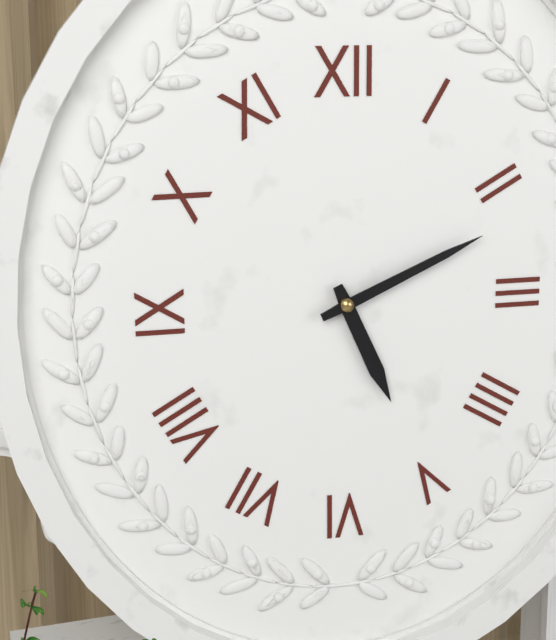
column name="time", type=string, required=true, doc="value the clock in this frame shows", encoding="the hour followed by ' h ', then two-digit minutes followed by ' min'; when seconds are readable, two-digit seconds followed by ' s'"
5 h 11 min
